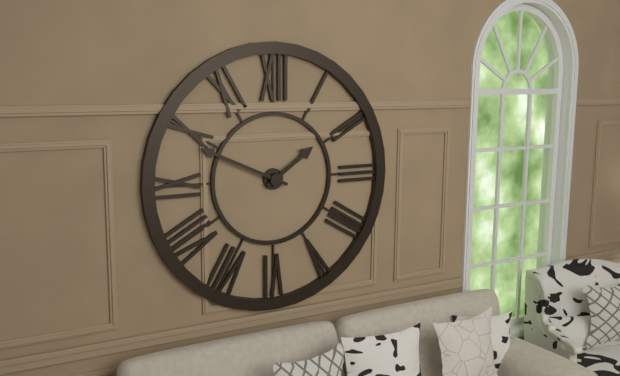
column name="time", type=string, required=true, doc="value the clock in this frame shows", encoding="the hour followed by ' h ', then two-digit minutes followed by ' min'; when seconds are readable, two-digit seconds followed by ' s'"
1 h 49 min
